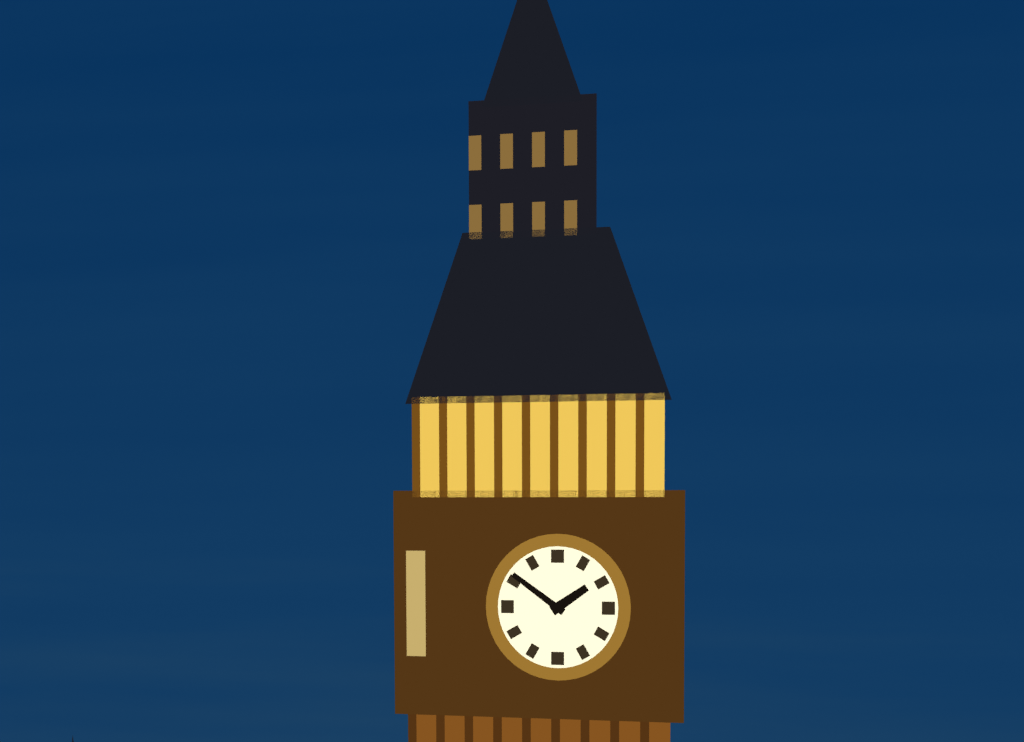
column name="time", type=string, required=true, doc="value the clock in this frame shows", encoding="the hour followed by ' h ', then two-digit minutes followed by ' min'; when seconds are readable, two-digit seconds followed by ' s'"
1 h 51 min
